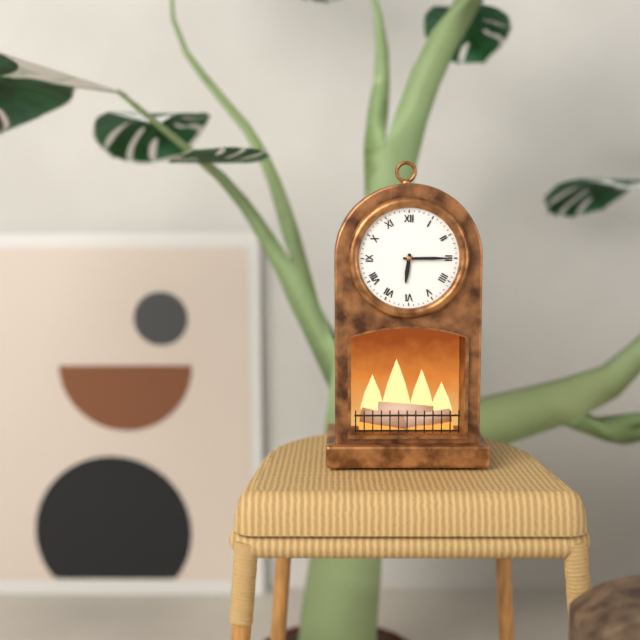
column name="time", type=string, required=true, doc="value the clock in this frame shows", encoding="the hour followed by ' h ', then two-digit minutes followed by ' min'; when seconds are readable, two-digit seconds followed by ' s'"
6 h 15 min
